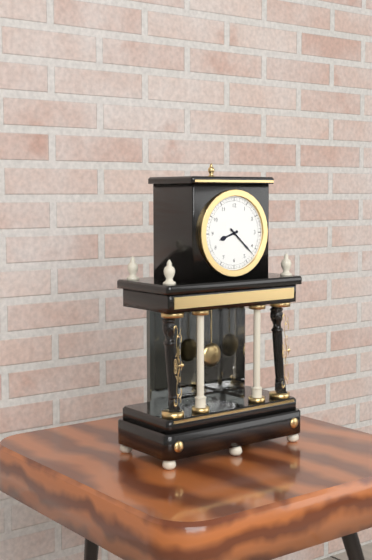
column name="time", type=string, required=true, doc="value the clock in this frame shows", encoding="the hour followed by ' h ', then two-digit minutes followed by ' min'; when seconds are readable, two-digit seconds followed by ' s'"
8 h 22 min
